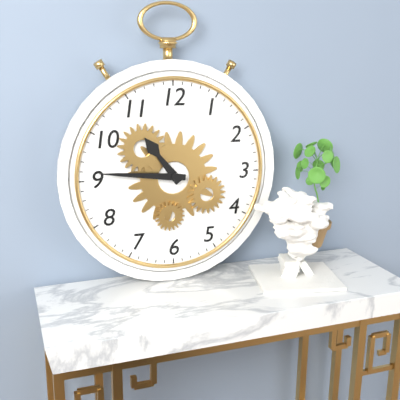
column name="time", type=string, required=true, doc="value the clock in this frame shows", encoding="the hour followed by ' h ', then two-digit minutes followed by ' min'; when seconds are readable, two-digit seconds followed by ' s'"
10 h 46 min
